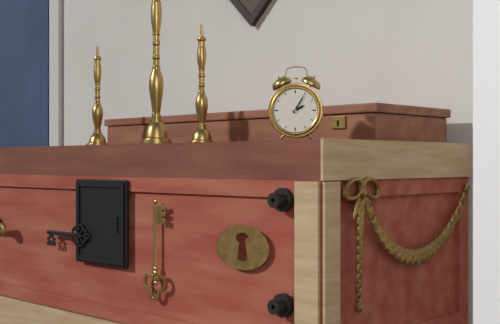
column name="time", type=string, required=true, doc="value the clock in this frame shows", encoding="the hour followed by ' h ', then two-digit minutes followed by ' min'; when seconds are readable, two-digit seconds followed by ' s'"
2 h 05 min
